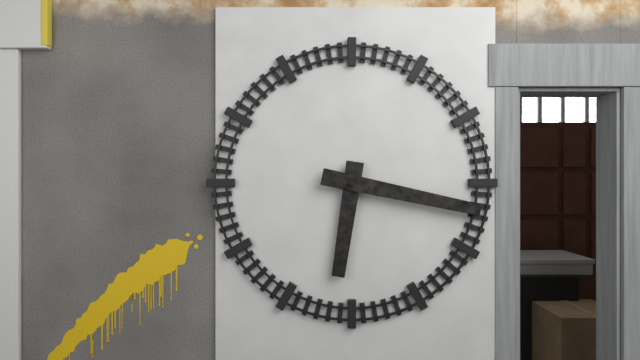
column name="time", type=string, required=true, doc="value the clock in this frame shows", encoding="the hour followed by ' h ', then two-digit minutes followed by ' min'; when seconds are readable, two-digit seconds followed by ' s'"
6 h 17 min
